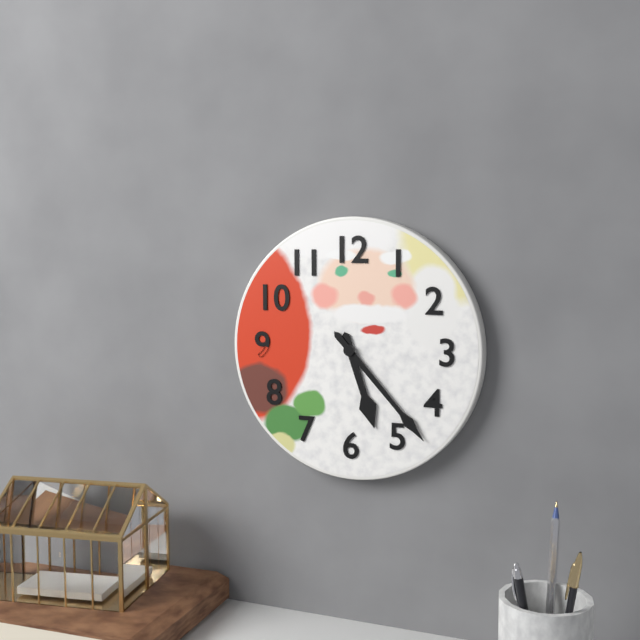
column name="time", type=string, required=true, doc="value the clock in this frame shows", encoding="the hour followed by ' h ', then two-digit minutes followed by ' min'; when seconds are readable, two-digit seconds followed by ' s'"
5 h 23 min
